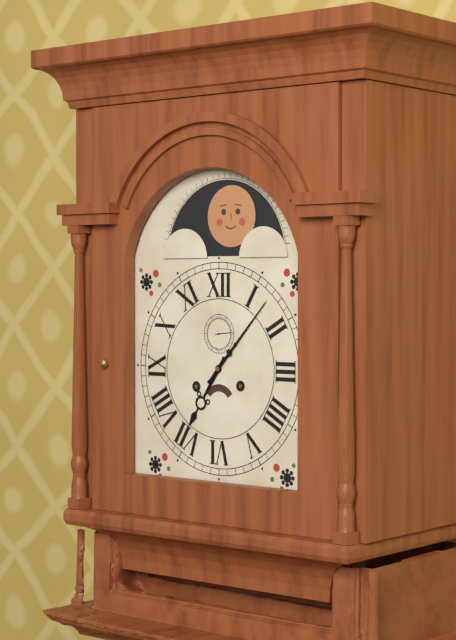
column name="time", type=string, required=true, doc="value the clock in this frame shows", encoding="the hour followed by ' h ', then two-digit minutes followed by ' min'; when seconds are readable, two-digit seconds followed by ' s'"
7 h 07 min
